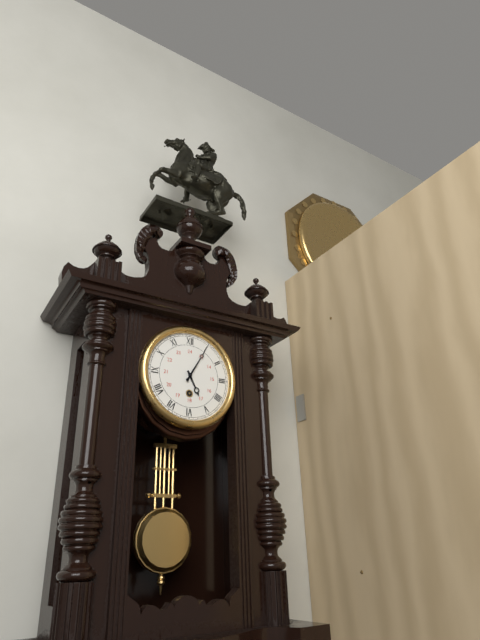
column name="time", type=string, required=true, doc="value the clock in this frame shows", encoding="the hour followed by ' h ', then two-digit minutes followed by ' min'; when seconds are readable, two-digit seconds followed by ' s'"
5 h 05 min
